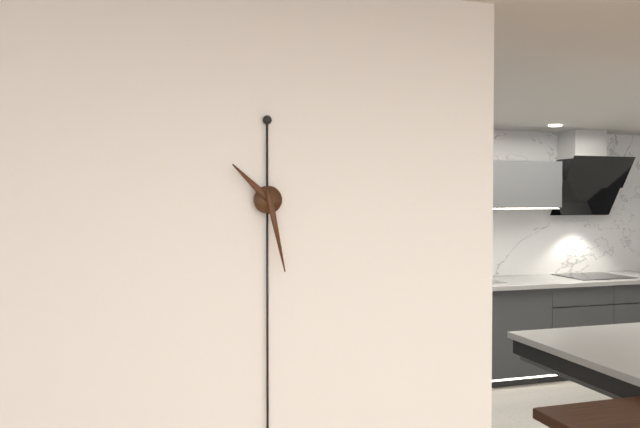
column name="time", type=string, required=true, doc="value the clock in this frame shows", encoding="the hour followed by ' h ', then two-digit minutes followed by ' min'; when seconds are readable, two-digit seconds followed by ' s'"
10 h 28 min
